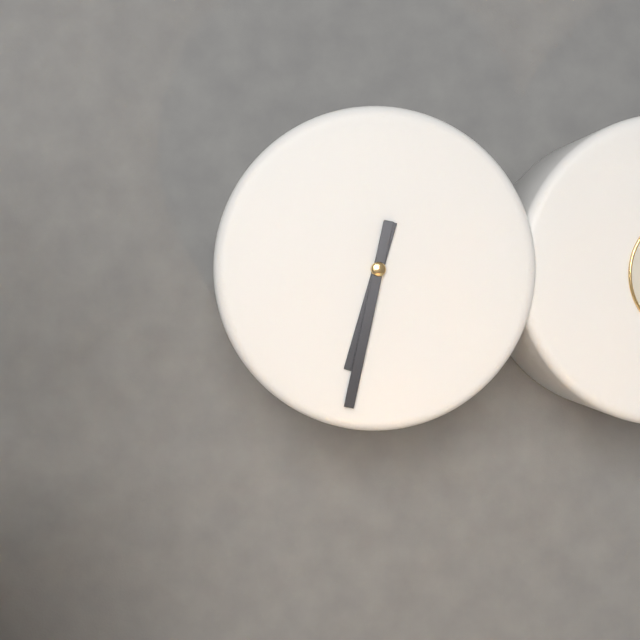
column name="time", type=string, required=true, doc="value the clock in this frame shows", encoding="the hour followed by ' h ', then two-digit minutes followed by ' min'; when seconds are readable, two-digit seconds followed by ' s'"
6 h 32 min
